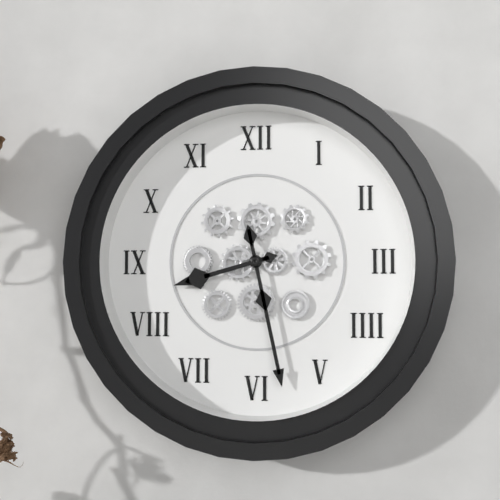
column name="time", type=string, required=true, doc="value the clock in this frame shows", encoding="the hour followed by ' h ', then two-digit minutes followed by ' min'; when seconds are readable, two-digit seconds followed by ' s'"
8 h 28 min
